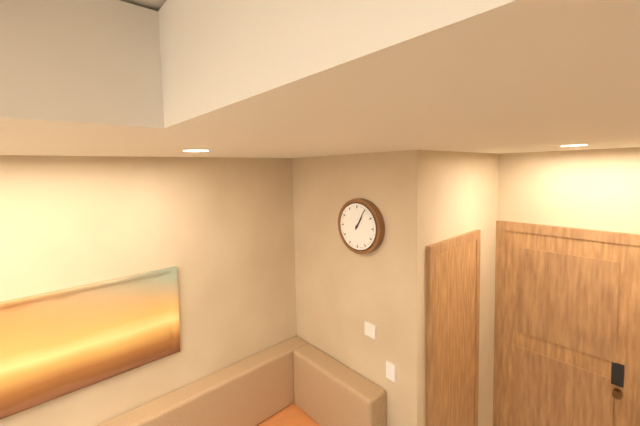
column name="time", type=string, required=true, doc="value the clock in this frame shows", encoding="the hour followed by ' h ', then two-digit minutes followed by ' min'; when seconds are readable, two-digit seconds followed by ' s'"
1 h 05 min
